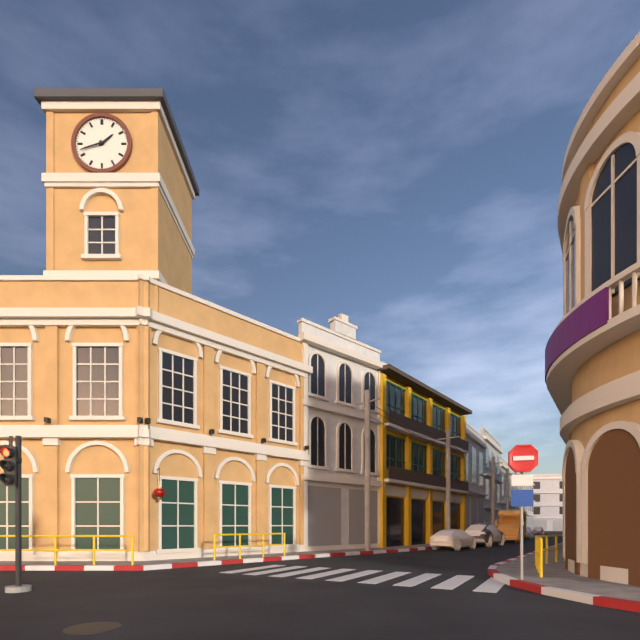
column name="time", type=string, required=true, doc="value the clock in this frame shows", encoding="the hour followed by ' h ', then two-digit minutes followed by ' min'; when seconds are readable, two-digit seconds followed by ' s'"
1 h 42 min
